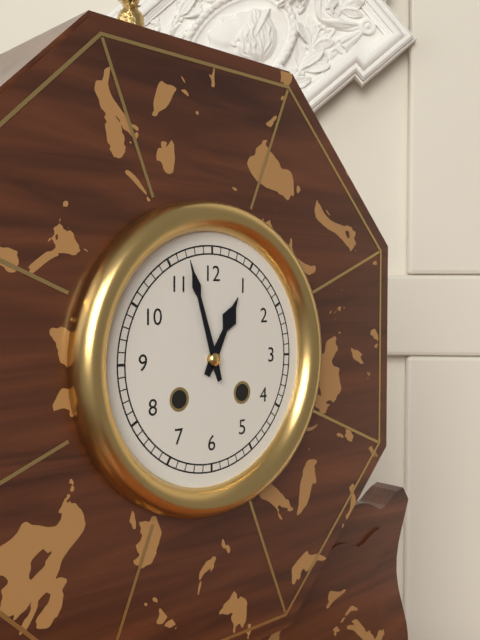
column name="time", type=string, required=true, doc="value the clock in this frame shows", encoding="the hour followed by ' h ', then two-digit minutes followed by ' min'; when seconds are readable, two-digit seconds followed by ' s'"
12 h 57 min
